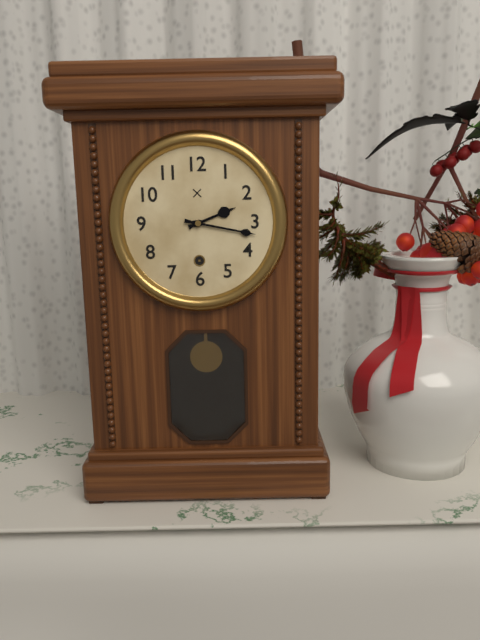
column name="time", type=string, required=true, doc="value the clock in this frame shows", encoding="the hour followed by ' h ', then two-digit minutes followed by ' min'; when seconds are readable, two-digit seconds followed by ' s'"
2 h 17 min
